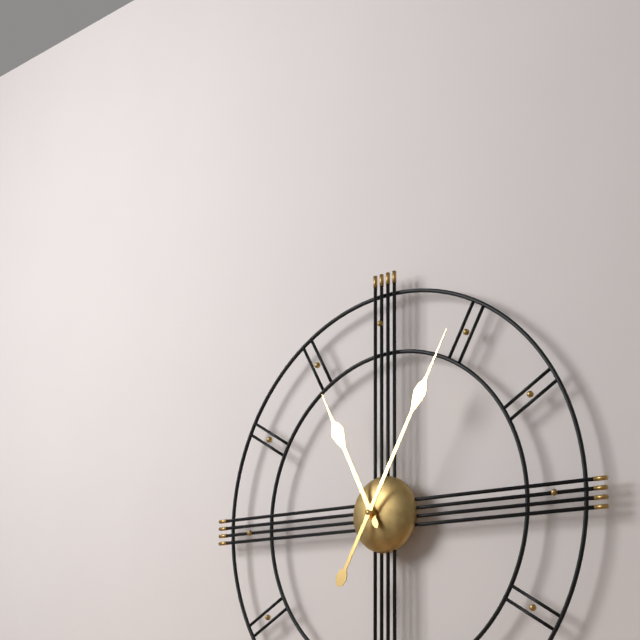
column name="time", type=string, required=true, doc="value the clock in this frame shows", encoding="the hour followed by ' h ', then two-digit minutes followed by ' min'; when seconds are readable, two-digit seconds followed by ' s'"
11 h 05 min
